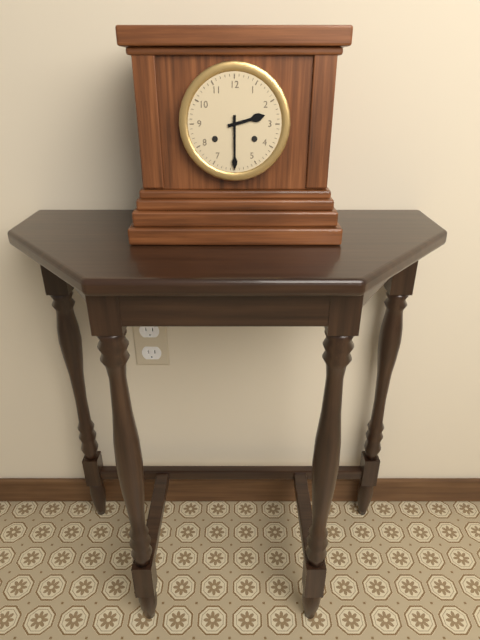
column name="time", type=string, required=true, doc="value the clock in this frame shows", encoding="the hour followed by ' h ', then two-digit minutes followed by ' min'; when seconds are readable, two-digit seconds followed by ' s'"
2 h 30 min
